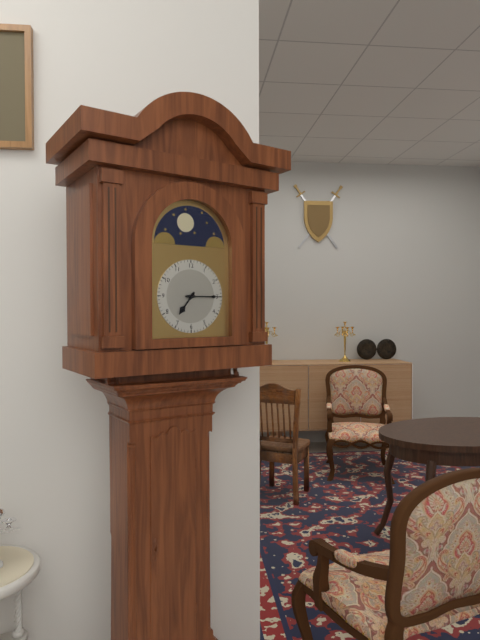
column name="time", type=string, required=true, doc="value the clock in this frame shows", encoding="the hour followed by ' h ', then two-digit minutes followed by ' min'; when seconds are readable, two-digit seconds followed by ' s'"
7 h 15 min
